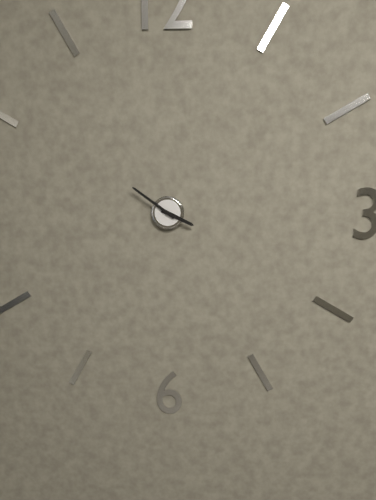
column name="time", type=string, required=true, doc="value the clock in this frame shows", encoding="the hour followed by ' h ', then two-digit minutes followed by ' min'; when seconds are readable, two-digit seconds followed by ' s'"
3 h 51 min
